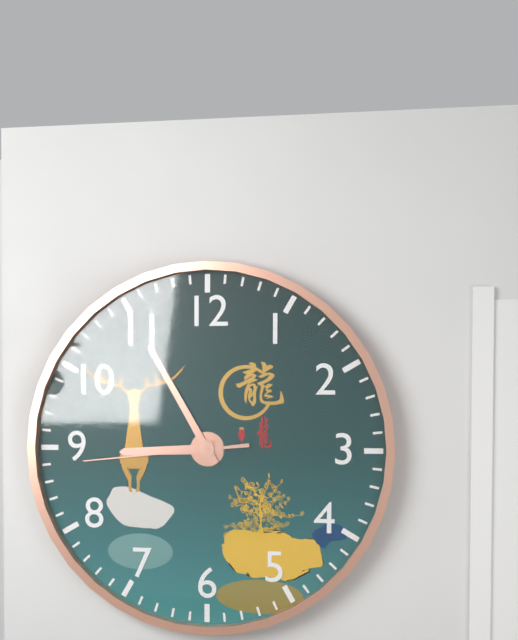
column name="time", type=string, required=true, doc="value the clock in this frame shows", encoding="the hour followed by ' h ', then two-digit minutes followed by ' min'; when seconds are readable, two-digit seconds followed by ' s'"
8 h 55 min 44 s
